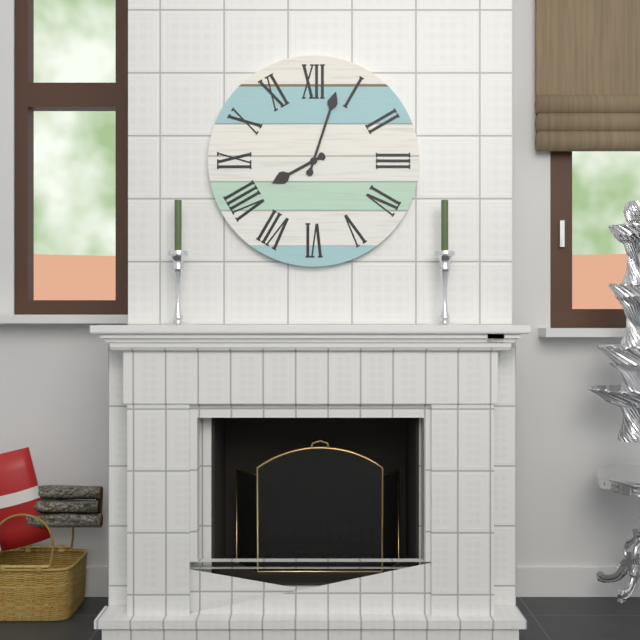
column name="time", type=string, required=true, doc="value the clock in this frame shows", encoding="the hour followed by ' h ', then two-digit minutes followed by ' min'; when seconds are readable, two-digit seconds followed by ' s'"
8 h 03 min
